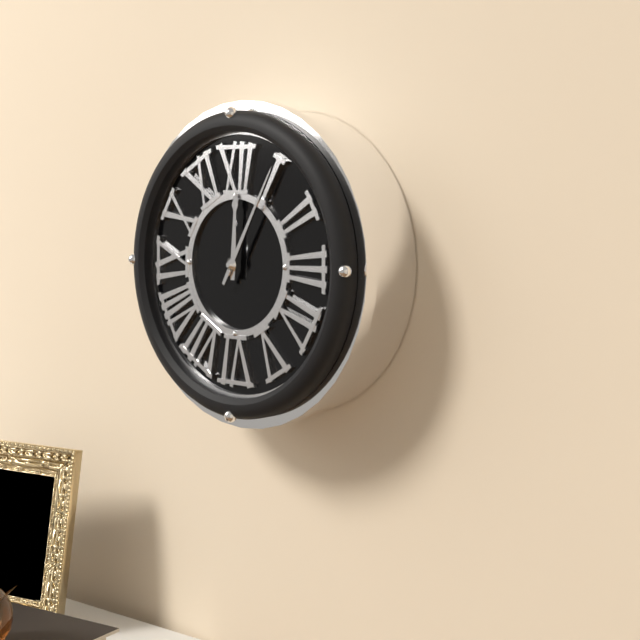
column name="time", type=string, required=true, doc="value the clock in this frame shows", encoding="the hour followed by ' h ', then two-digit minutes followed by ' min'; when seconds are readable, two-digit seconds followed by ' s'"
12 h 05 min
